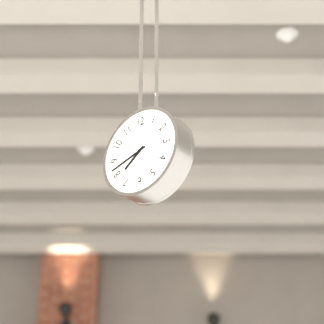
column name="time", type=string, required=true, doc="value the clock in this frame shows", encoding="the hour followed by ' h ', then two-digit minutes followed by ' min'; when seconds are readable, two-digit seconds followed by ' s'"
7 h 42 min
